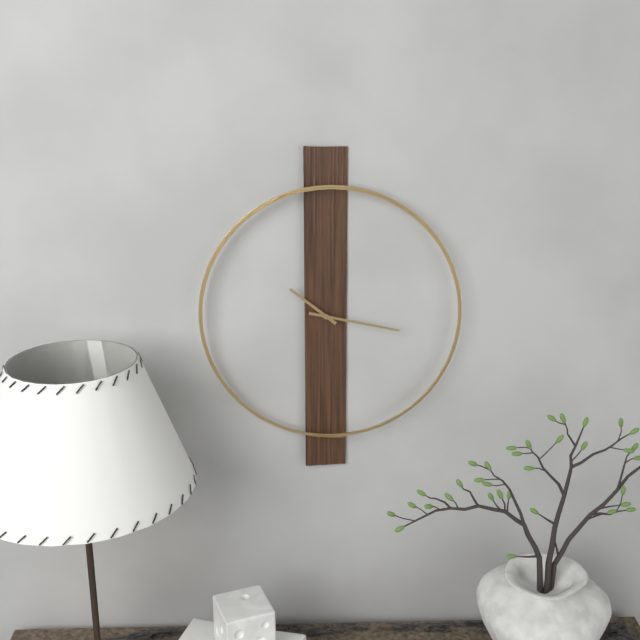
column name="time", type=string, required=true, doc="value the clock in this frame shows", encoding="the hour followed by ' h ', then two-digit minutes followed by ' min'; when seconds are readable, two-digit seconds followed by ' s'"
10 h 17 min
